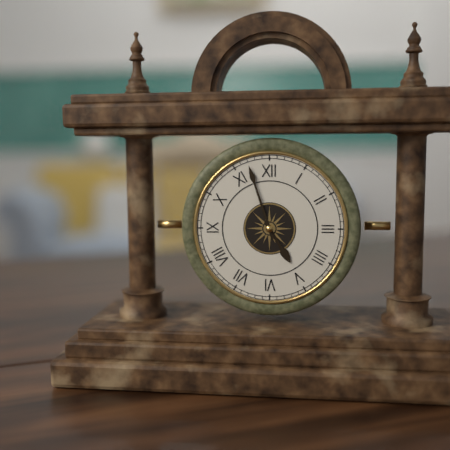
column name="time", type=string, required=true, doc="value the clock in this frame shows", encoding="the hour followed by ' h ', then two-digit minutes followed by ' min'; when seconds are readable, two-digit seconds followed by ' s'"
4 h 57 min
